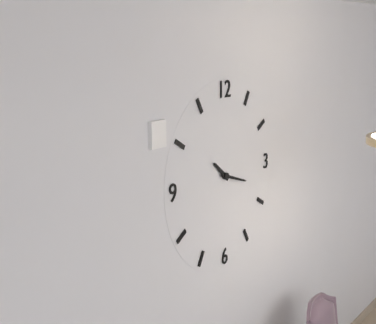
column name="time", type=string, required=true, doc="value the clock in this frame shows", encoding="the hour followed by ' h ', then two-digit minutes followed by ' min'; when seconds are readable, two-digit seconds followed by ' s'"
10 h 18 min
